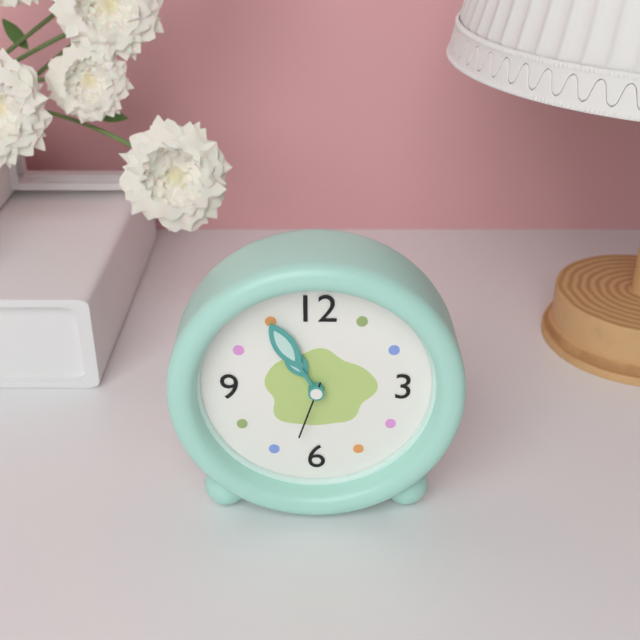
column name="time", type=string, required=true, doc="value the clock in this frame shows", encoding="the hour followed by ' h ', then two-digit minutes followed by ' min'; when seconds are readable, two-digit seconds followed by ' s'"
10 h 55 min 33 s
